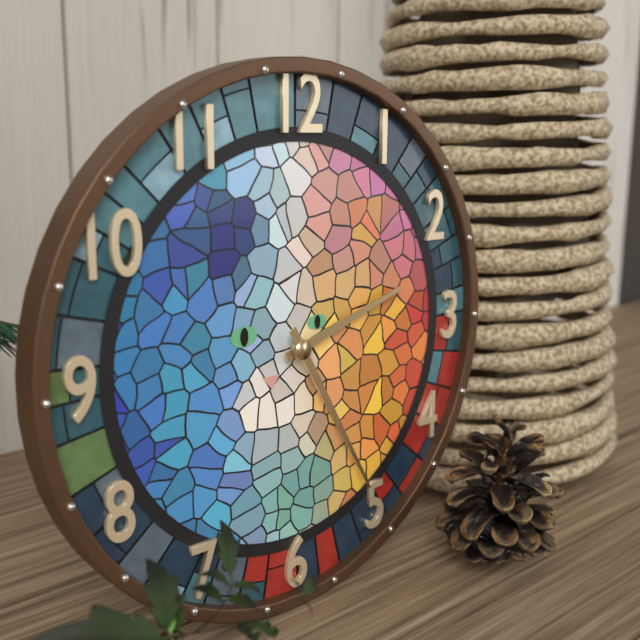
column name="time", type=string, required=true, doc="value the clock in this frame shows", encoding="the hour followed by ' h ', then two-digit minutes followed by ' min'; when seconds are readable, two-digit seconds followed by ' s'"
2 h 25 min
